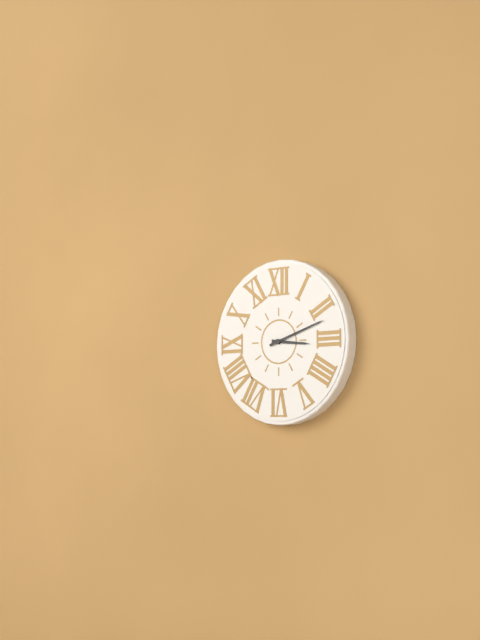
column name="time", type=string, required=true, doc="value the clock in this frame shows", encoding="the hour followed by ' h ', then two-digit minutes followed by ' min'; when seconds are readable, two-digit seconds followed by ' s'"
3 h 12 min
